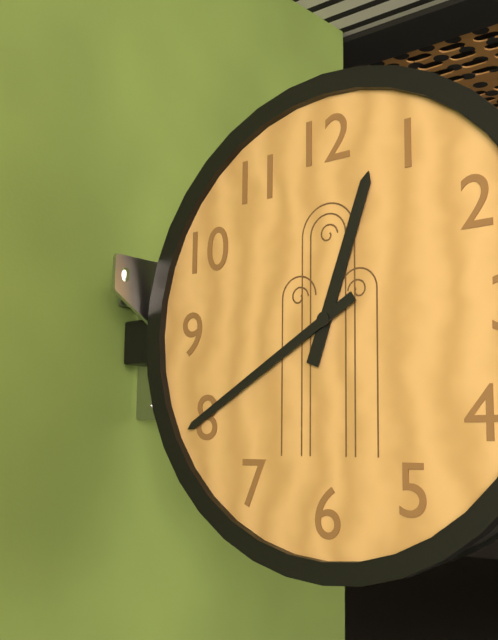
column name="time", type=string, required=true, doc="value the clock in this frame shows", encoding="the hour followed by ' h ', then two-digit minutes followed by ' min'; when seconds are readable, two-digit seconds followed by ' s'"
12 h 40 min
